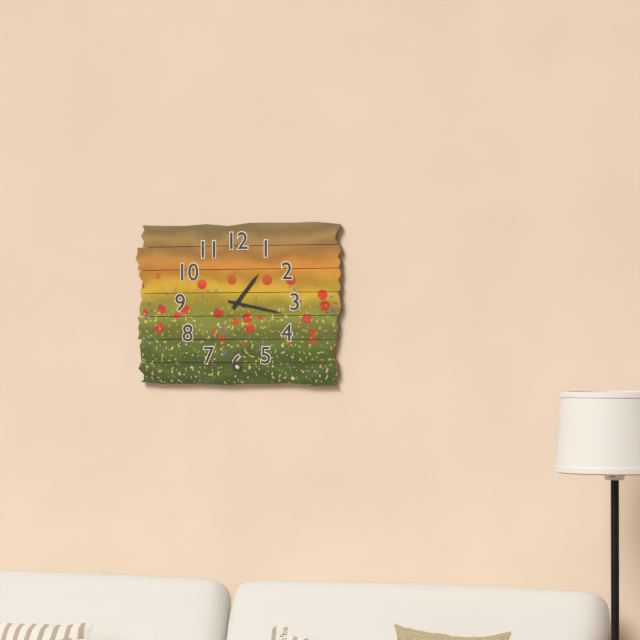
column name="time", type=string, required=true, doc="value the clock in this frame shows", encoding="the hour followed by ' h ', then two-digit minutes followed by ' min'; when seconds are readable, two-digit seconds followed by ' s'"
1 h 17 min
